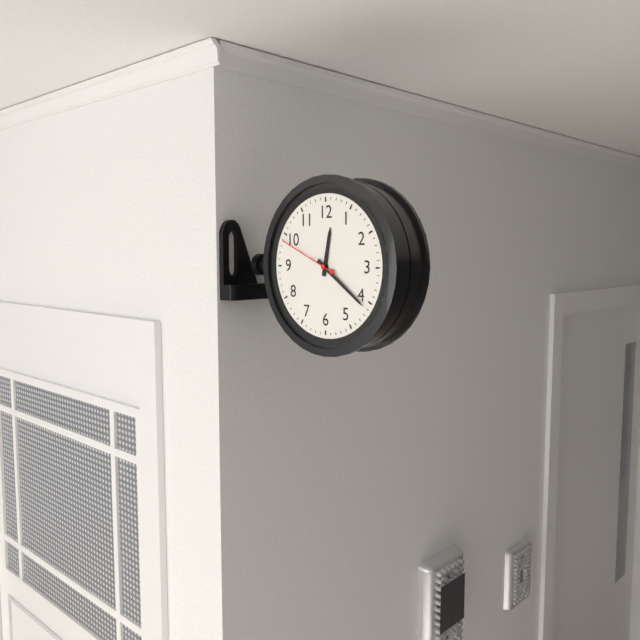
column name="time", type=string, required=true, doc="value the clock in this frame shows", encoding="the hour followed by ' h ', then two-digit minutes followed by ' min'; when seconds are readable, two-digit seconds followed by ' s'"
12 h 21 min 49 s
